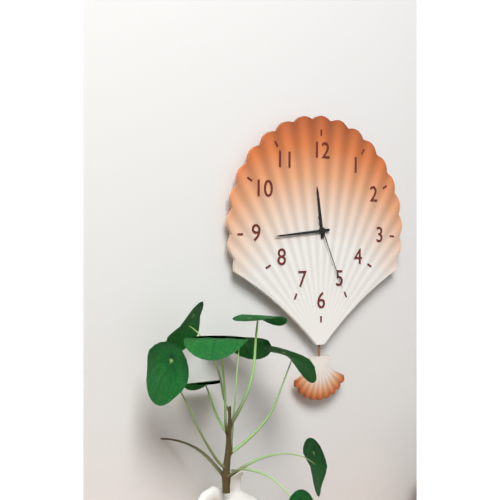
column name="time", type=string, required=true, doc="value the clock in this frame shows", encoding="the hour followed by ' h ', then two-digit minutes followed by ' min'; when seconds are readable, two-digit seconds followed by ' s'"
11 h 44 min 26 s
